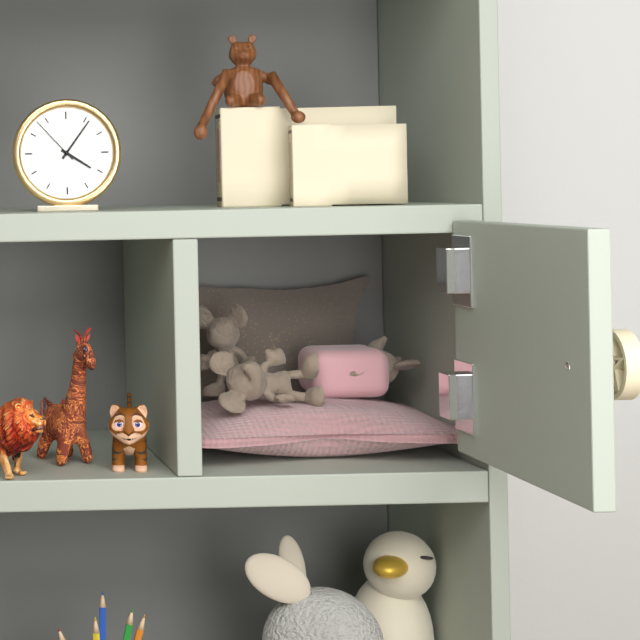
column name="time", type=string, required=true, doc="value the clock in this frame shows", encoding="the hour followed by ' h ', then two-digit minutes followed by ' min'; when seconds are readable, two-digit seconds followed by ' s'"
4 h 06 min 53 s
